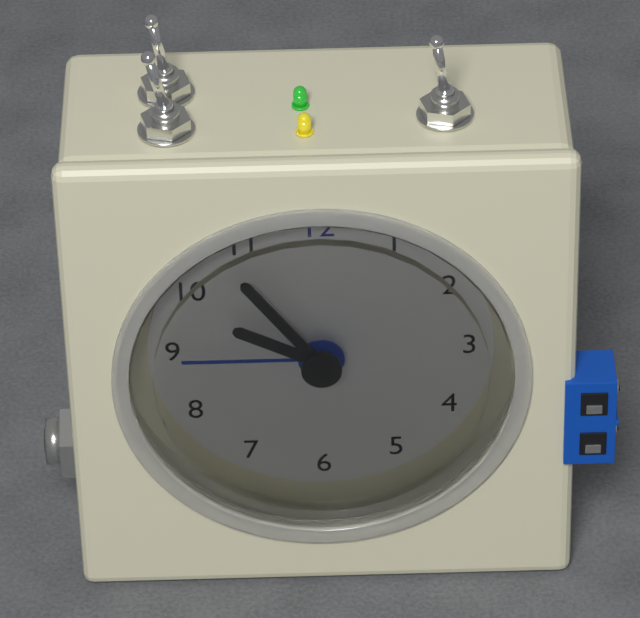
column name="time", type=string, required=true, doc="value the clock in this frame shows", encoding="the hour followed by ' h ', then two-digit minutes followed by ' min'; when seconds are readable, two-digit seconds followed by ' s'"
9 h 54 min 45 s
